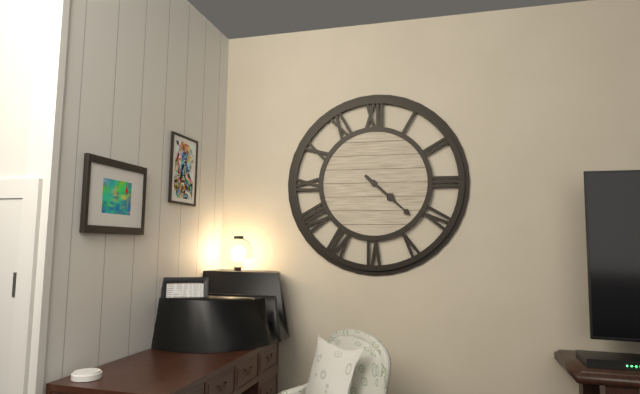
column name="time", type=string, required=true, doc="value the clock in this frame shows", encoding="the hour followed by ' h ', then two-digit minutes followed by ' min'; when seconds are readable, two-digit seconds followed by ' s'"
4 h 22 min
